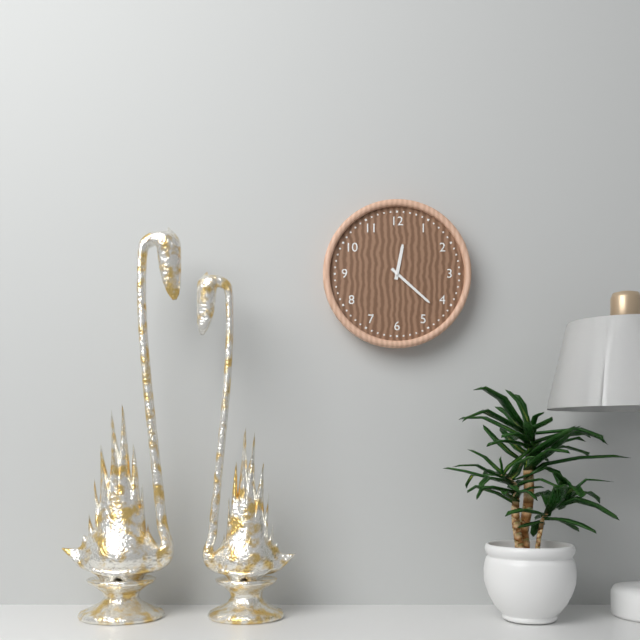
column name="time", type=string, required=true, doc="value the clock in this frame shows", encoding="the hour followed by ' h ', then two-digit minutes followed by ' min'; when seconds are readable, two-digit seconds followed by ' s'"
12 h 22 min
